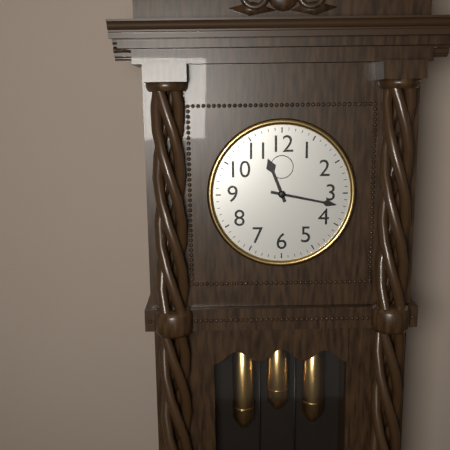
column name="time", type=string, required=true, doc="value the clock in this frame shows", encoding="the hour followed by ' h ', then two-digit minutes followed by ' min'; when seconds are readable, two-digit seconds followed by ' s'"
11 h 17 min
